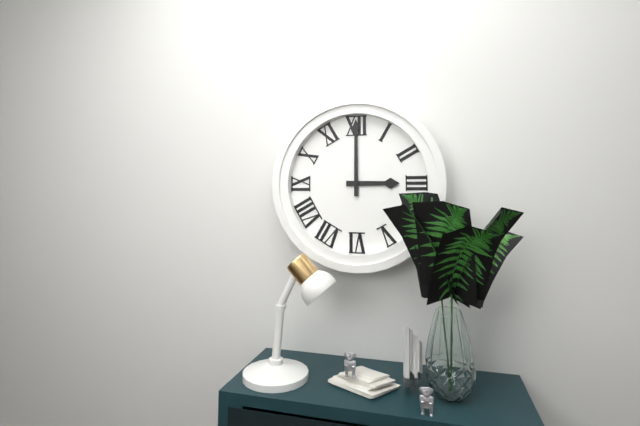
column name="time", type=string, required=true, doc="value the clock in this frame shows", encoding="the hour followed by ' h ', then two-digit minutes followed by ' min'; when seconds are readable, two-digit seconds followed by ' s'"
3 h 00 min
